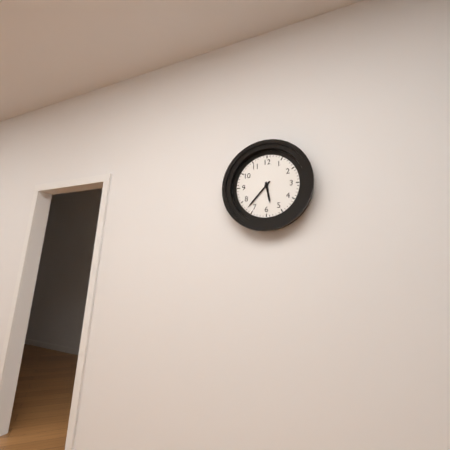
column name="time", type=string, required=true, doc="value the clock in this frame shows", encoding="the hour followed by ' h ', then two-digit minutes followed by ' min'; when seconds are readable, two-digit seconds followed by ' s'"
5 h 37 min
